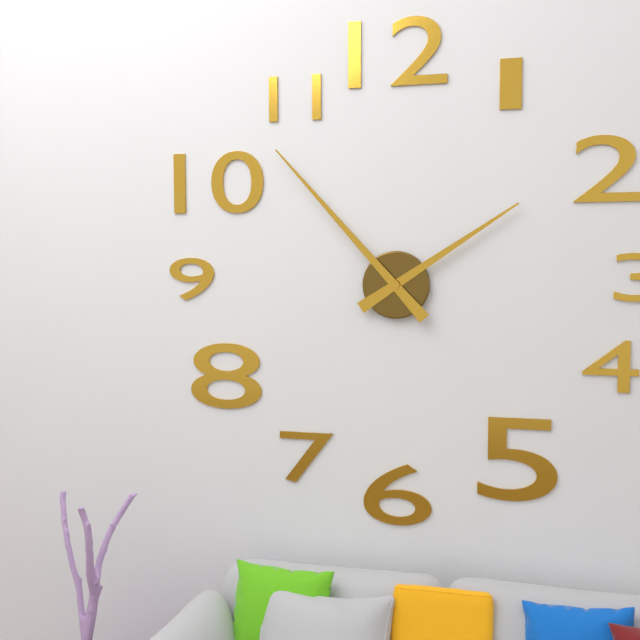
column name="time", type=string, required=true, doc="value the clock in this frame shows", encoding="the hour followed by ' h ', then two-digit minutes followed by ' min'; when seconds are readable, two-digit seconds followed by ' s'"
1 h 53 min
